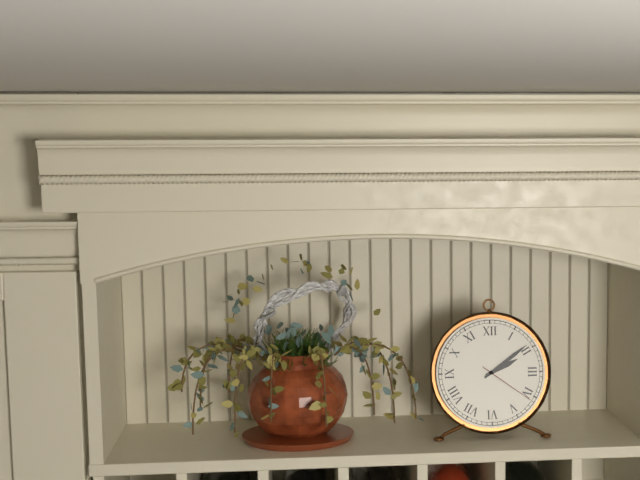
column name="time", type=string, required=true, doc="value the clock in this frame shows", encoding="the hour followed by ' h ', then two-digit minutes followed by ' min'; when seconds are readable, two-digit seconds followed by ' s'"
2 h 09 min 21 s
